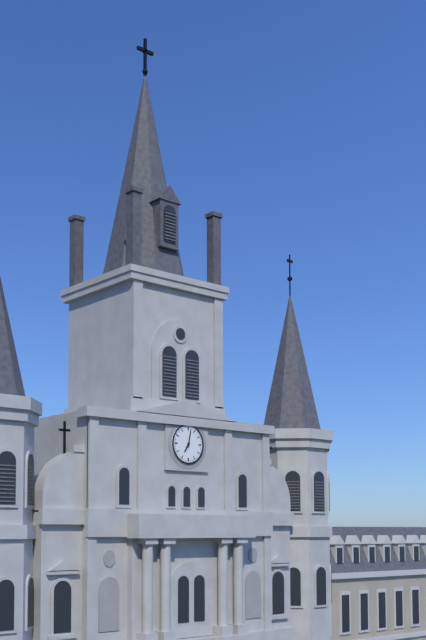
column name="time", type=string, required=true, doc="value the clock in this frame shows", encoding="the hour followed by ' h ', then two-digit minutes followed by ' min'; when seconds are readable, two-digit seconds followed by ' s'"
7 h 02 min
